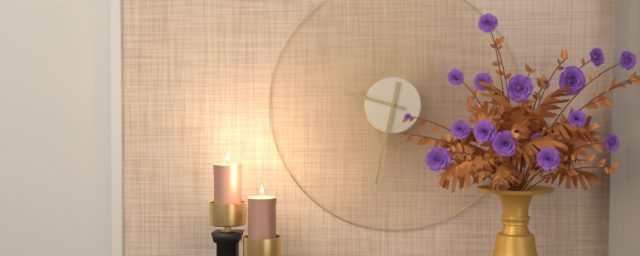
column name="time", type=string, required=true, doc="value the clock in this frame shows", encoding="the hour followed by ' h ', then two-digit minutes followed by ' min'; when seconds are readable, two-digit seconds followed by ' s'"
9 h 32 min
